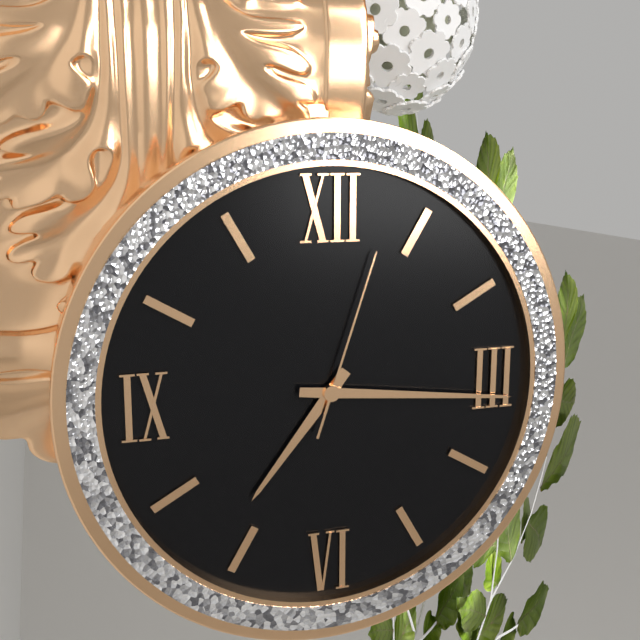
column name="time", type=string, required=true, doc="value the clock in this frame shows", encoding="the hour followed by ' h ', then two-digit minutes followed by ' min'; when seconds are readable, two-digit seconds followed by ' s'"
7 h 16 min 03 s
